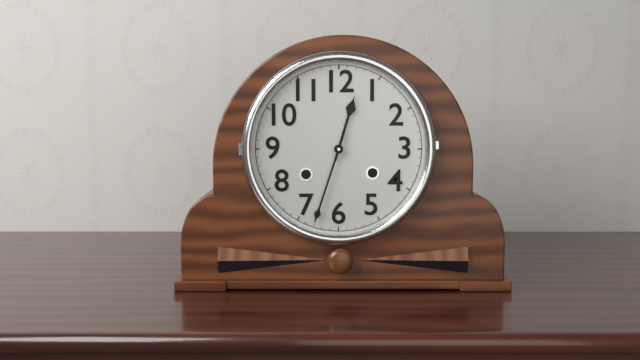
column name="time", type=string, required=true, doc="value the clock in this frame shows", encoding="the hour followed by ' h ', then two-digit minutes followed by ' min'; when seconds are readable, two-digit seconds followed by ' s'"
12 h 33 min
